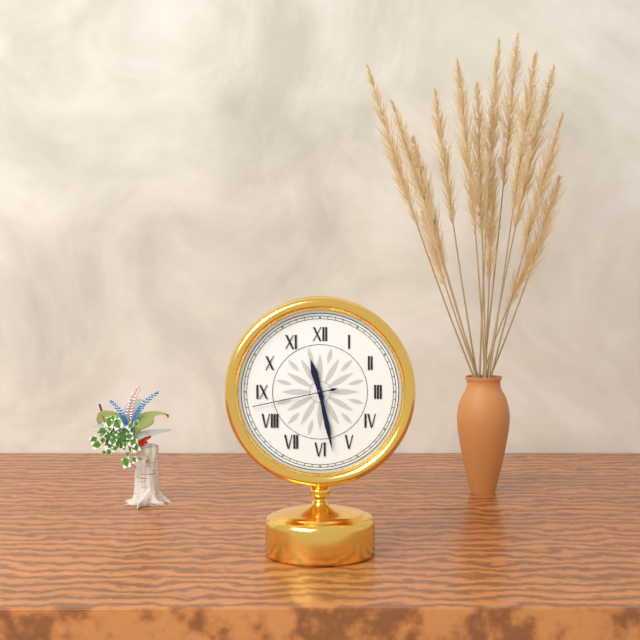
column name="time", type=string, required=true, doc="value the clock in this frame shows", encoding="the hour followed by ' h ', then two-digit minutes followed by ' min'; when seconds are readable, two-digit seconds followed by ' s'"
11 h 28 min 43 s
